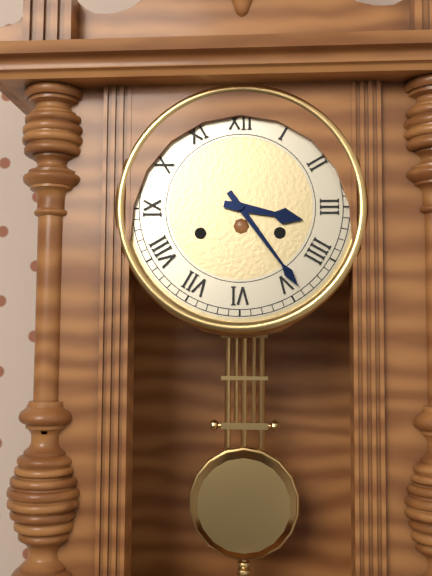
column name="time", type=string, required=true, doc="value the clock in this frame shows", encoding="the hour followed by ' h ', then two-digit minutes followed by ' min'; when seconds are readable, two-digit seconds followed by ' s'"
3 h 24 min
